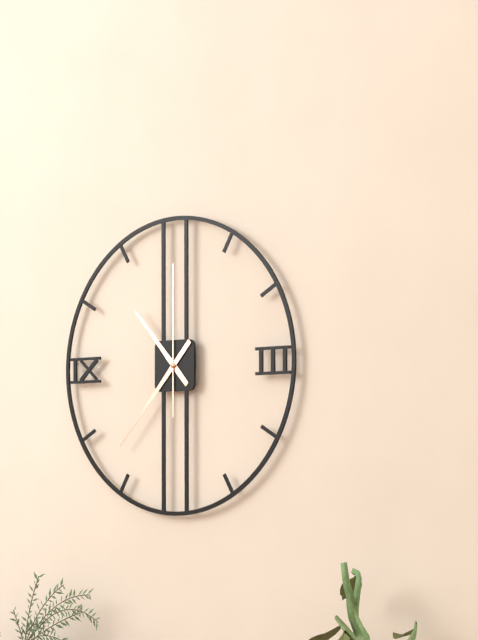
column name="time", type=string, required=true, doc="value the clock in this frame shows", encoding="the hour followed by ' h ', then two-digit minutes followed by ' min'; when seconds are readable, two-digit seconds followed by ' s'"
10 h 37 min 00 s
